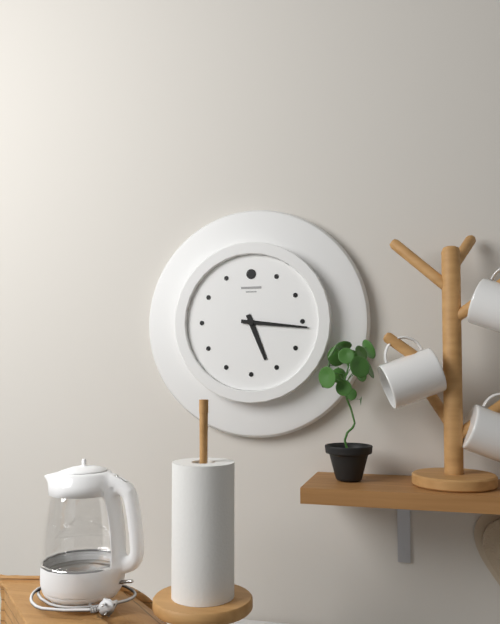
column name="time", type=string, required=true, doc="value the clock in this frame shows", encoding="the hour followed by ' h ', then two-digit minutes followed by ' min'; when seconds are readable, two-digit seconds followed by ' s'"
5 h 16 min
